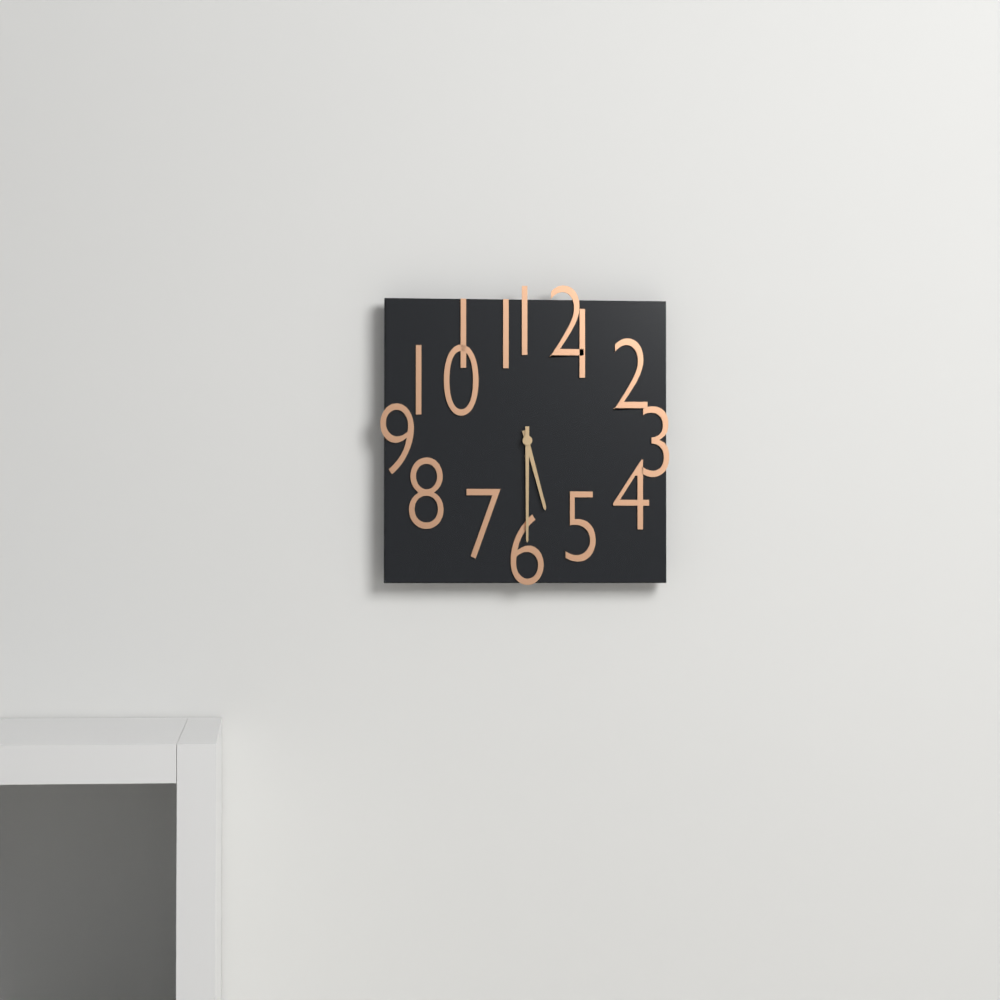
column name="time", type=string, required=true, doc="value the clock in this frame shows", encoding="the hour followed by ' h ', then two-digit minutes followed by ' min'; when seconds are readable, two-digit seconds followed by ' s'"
5 h 30 min
